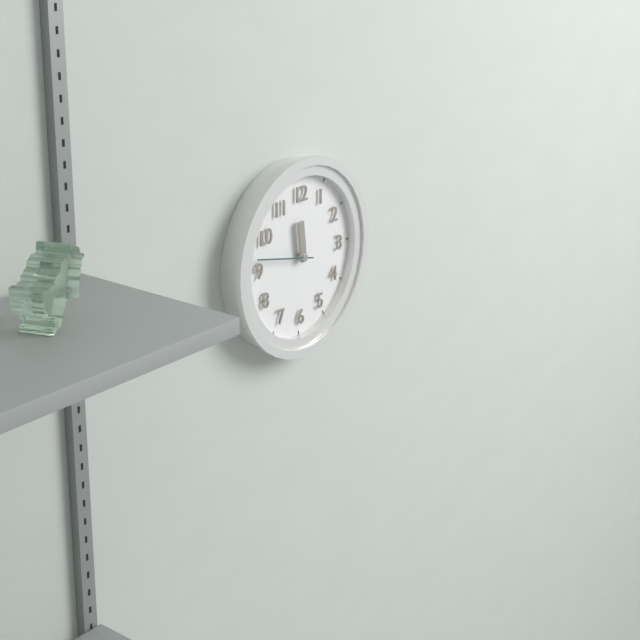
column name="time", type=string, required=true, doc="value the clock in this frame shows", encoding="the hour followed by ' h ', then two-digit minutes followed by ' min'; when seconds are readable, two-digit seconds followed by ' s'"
11 h 47 min
